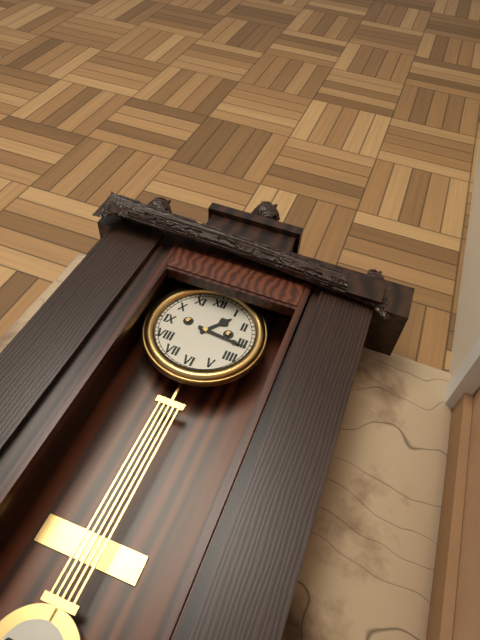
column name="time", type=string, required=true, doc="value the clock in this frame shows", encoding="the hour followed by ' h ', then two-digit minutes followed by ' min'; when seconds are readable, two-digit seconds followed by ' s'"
1 h 16 min
